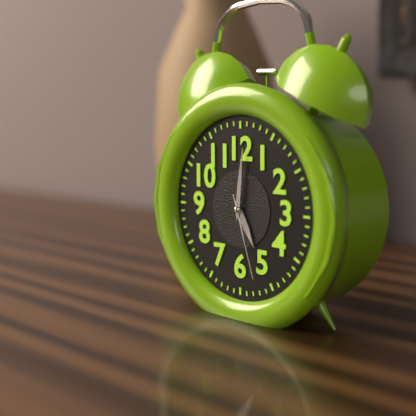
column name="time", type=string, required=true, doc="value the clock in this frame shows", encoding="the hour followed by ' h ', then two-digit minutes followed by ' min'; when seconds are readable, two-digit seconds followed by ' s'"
5 h 01 min 27 s
